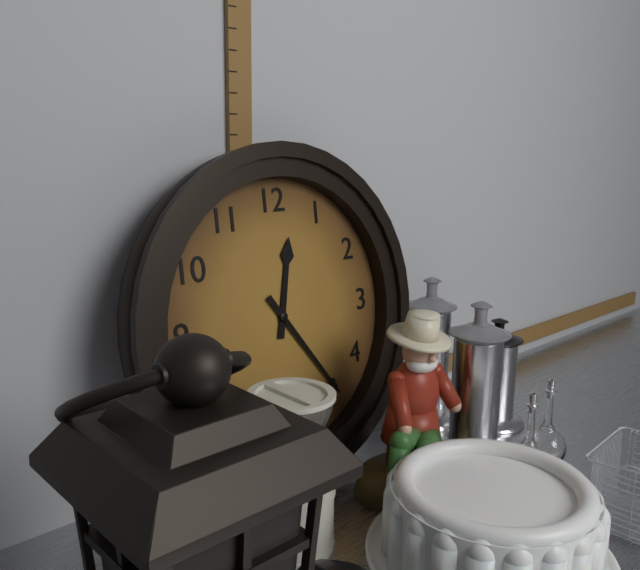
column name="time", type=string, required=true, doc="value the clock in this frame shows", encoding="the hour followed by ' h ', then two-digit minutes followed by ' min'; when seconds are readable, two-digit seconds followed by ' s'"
12 h 24 min
